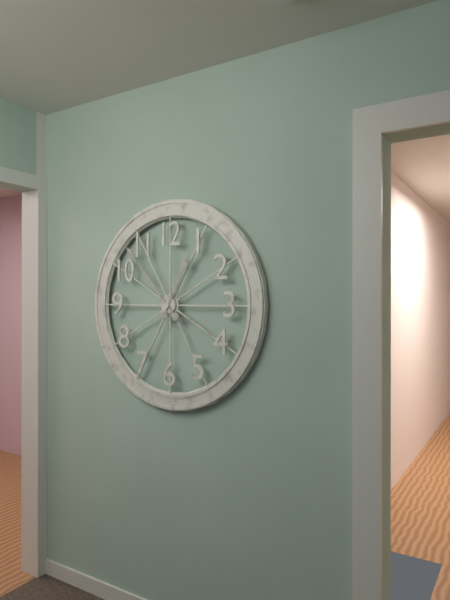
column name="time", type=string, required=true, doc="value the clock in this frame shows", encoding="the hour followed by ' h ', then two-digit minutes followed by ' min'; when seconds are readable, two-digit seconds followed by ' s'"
12 h 53 min
